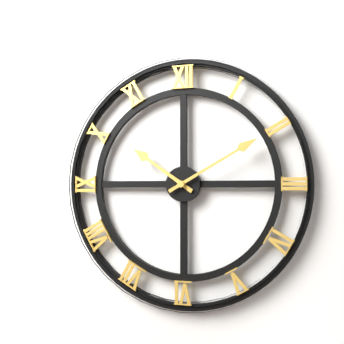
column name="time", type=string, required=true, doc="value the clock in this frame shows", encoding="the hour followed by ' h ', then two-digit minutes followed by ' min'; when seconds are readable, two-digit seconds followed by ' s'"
10 h 10 min
